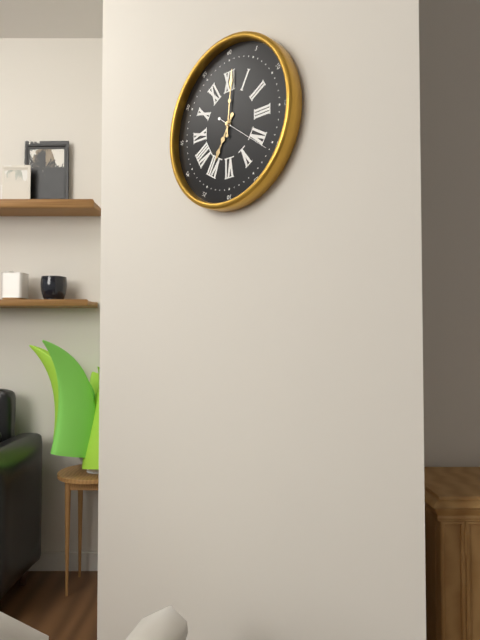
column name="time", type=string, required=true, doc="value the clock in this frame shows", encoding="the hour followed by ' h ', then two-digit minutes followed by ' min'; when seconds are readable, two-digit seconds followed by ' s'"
7 h 01 min
